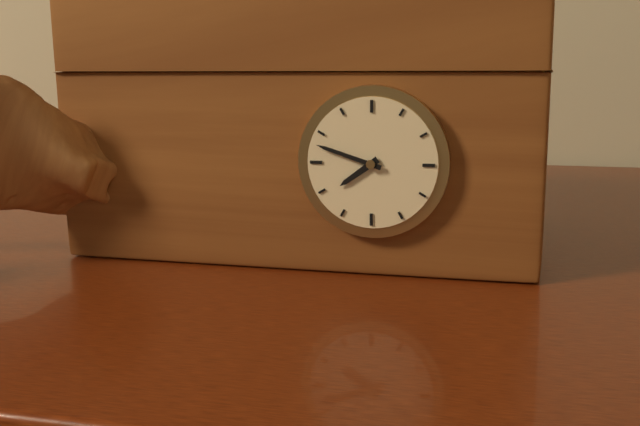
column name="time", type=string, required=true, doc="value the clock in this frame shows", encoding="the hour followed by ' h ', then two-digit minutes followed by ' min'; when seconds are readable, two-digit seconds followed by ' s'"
7 h 48 min
